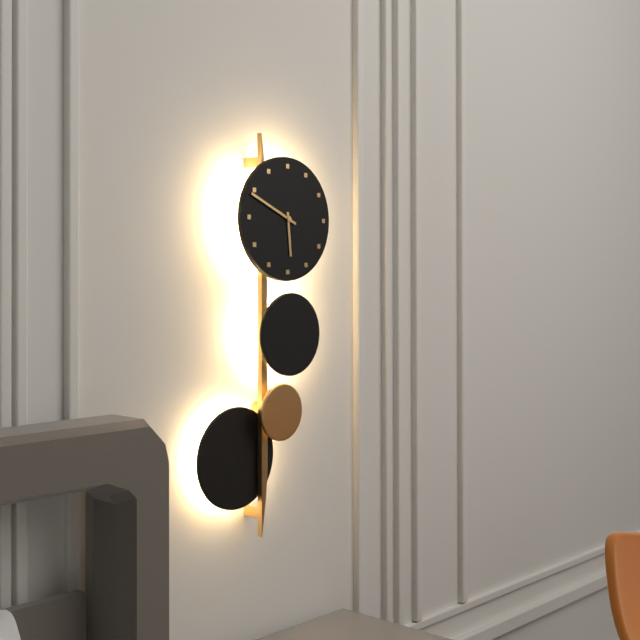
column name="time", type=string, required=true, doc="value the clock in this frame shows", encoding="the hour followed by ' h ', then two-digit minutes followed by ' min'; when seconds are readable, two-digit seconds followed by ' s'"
5 h 49 min
